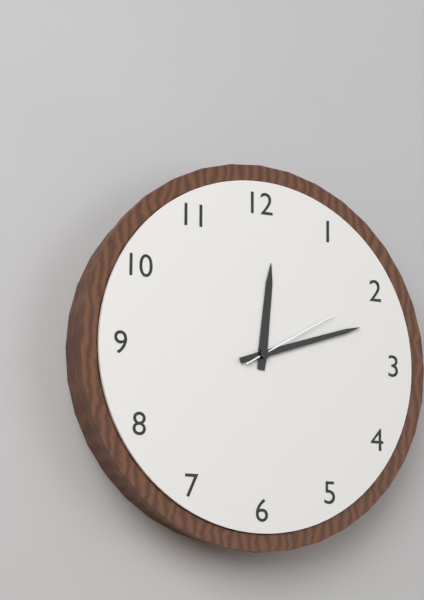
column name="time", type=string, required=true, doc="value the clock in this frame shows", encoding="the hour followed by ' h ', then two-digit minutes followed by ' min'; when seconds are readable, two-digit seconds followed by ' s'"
12 h 12 min 10 s
